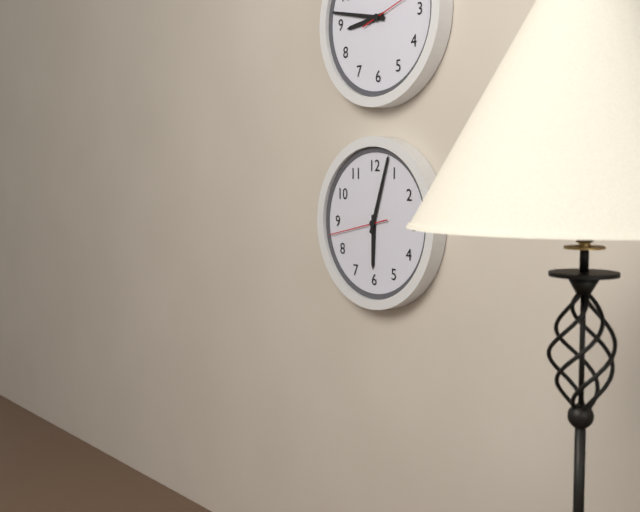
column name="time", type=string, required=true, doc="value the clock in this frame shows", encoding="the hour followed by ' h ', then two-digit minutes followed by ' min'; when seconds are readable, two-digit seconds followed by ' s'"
6 h 03 min 43 s
